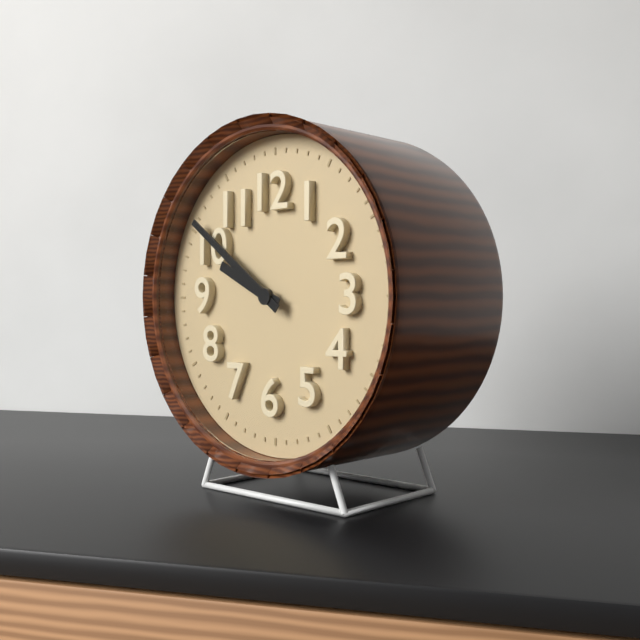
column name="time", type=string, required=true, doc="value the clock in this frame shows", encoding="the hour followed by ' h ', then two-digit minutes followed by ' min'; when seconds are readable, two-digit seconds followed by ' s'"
9 h 51 min
